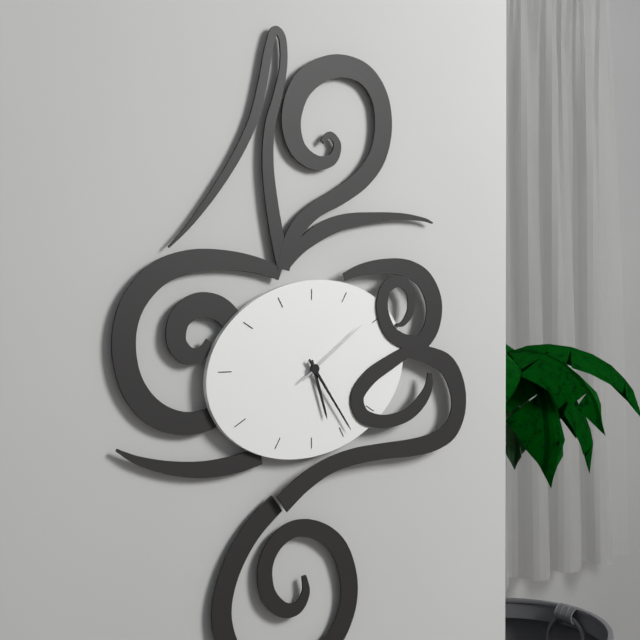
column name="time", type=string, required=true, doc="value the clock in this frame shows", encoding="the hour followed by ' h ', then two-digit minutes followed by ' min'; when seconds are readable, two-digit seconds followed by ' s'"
5 h 24 min 09 s
